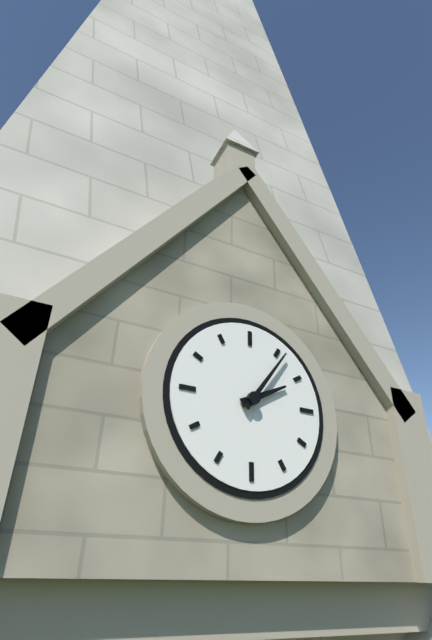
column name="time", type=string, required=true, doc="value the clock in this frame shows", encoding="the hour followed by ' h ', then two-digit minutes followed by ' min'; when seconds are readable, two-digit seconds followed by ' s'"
2 h 06 min
